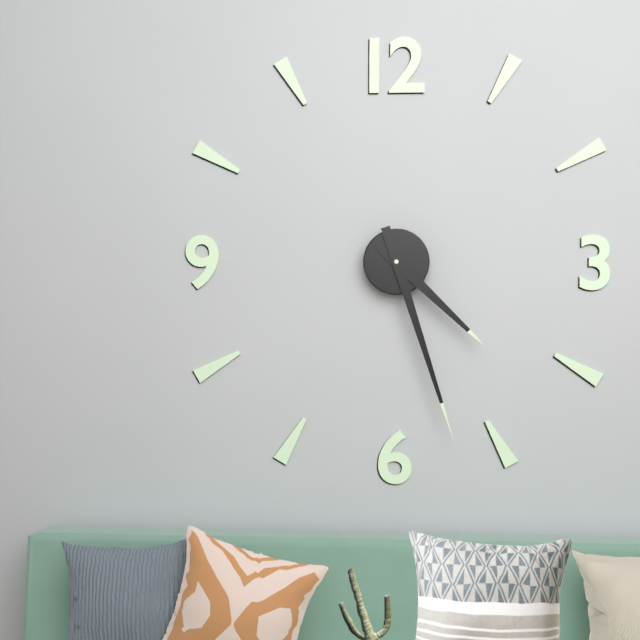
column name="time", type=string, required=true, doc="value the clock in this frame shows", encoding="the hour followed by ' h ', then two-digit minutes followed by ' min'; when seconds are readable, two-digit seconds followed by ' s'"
4 h 27 min
